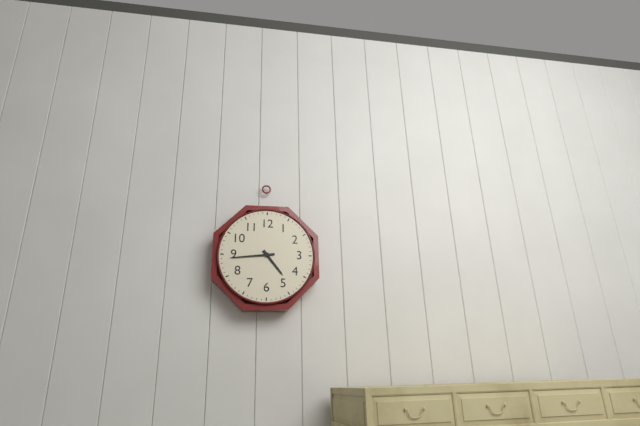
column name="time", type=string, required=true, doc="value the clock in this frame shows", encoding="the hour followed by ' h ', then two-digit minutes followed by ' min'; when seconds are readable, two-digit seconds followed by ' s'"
4 h 44 min
